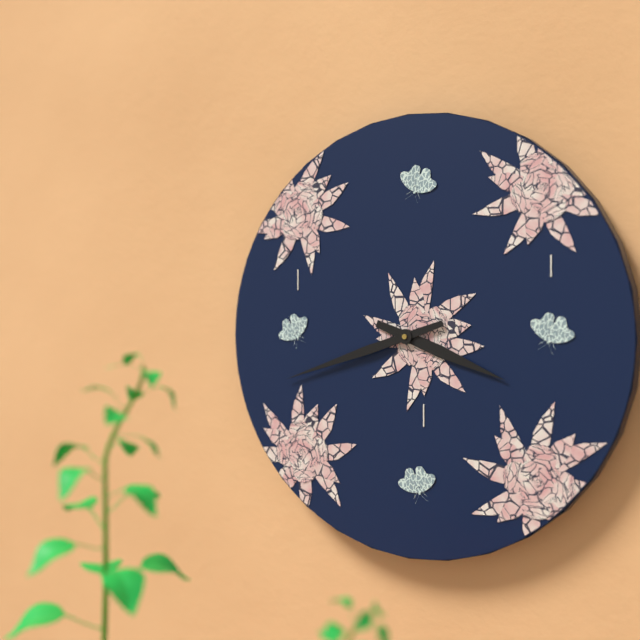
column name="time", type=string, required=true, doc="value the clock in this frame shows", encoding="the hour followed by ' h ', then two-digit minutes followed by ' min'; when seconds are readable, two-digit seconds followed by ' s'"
3 h 42 min
